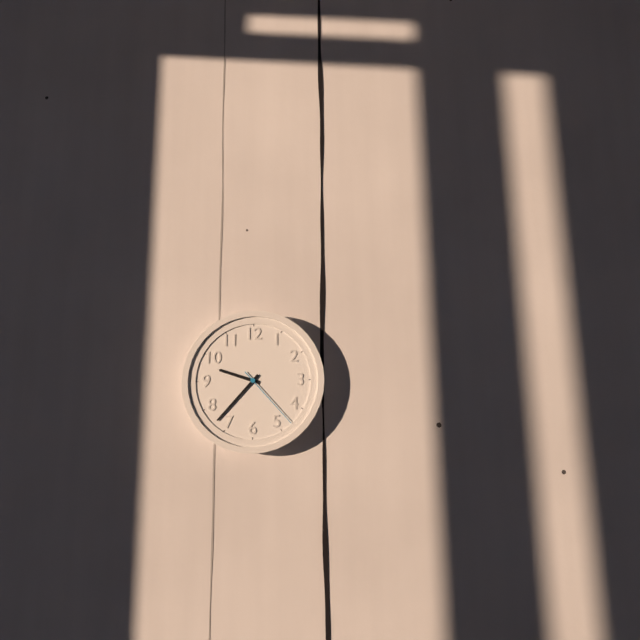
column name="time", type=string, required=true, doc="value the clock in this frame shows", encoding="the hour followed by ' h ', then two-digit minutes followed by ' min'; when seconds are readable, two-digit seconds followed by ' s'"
9 h 37 min 23 s
